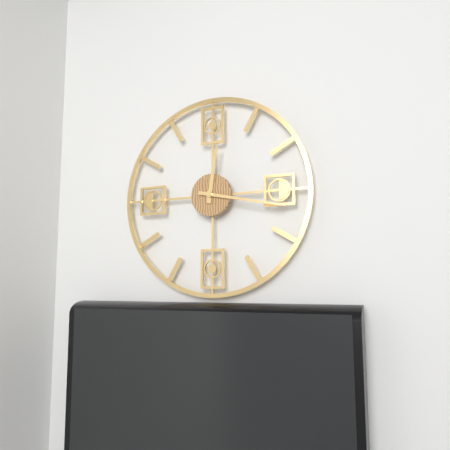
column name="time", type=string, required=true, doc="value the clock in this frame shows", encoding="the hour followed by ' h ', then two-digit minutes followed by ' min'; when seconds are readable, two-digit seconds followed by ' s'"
12 h 17 min
